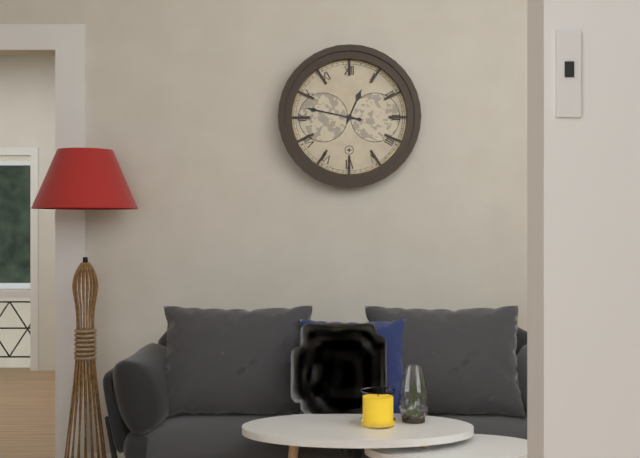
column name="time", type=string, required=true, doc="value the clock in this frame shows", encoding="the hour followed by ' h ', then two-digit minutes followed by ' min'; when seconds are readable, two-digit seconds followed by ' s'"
12 h 47 min
